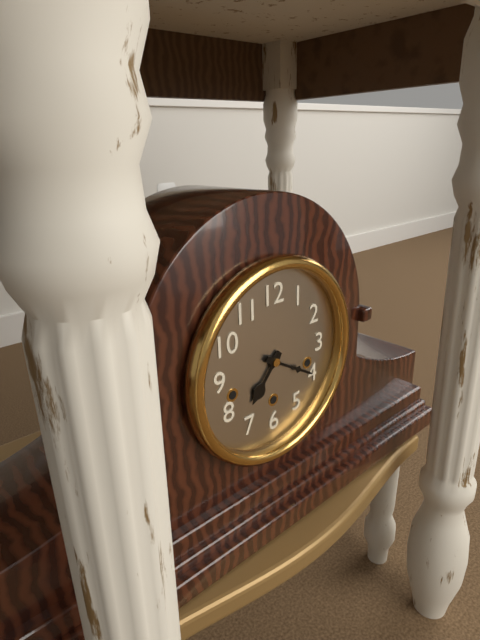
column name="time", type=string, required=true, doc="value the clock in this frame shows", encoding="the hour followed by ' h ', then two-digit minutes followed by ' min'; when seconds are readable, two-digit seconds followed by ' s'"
7 h 20 min
